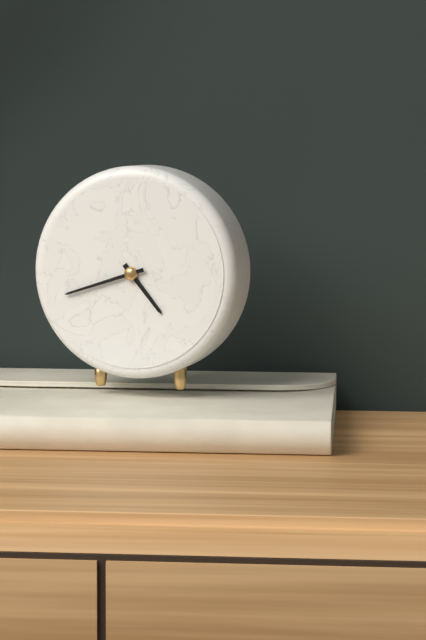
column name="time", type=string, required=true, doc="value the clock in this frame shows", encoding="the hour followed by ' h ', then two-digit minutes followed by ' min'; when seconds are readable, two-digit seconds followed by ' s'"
4 h 42 min
